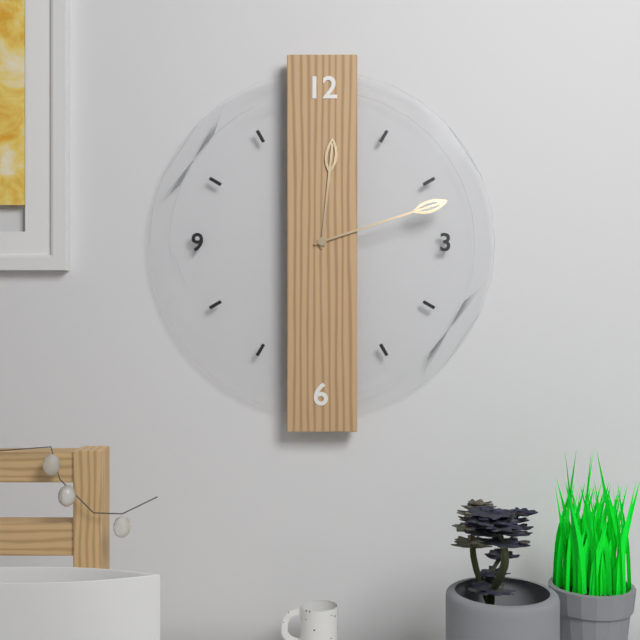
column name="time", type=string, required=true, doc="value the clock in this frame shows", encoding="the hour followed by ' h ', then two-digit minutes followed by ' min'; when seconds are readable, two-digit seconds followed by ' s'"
12 h 12 min
